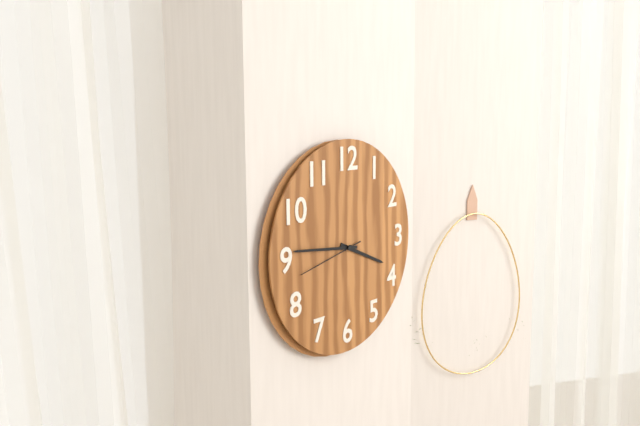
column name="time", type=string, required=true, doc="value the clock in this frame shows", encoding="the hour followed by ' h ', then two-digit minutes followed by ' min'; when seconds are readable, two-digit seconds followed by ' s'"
3 h 46 min 43 s
